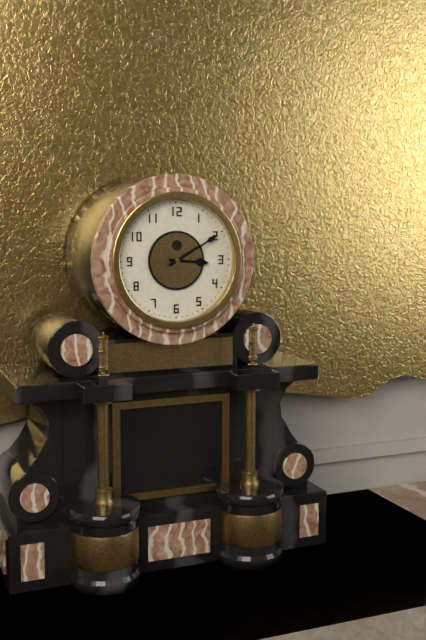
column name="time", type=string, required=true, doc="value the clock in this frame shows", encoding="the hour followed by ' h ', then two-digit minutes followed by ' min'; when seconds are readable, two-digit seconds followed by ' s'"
3 h 10 min
